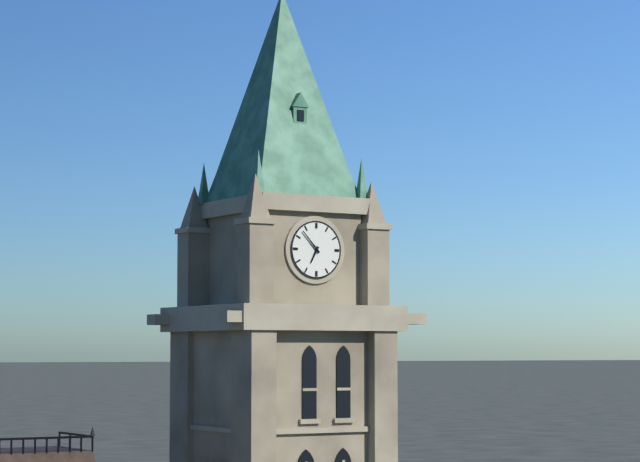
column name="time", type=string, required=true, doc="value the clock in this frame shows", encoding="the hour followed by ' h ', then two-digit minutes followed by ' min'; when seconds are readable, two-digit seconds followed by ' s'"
6 h 53 min
